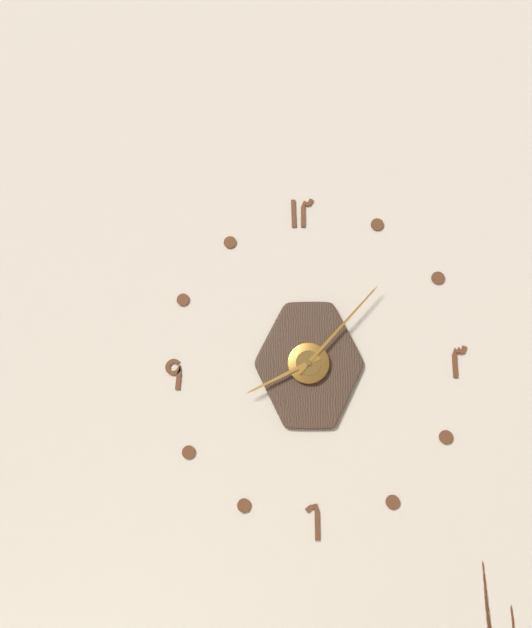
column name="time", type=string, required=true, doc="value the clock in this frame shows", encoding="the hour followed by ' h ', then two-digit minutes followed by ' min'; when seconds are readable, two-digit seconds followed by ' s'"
8 h 07 min
